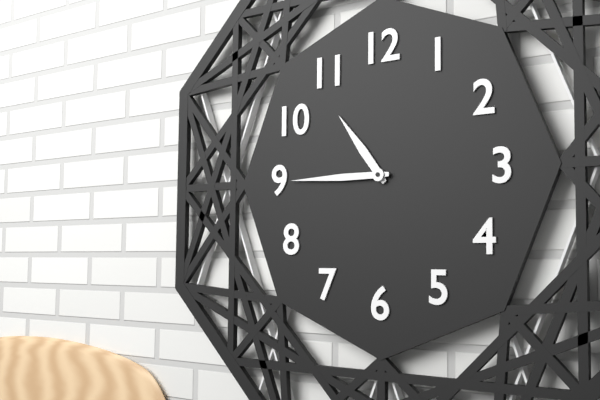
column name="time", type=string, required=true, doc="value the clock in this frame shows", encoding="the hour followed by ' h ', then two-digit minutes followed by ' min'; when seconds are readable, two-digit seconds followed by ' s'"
10 h 45 min
